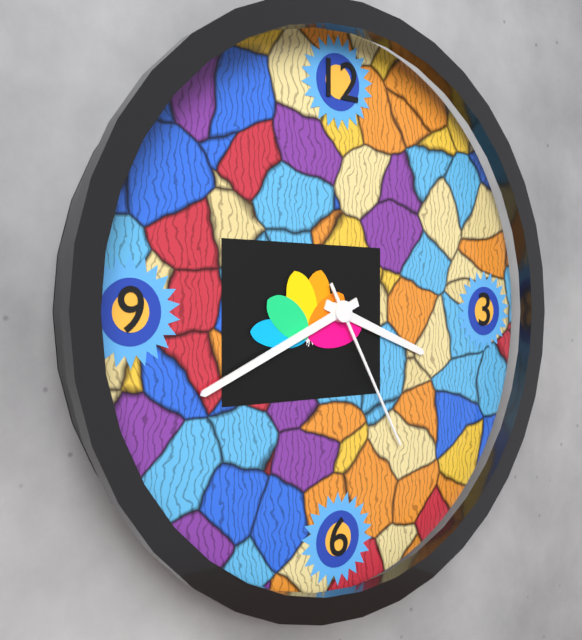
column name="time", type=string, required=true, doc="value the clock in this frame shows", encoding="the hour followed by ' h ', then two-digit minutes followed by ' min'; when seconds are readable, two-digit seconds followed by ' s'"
3 h 41 min 25 s
